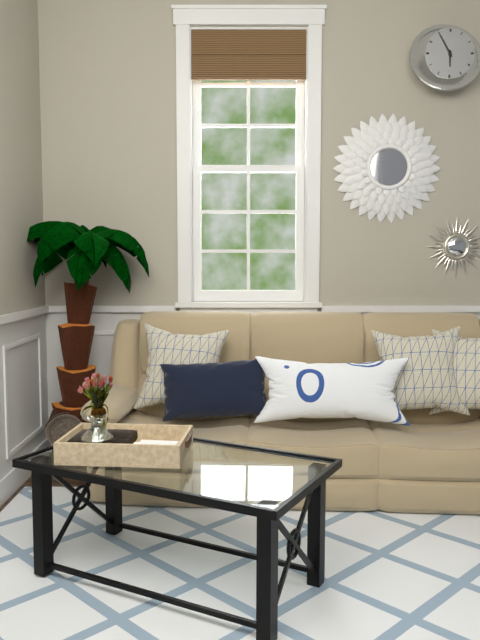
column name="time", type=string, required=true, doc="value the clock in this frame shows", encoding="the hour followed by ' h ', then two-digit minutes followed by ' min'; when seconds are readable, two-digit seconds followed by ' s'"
5 h 55 min
